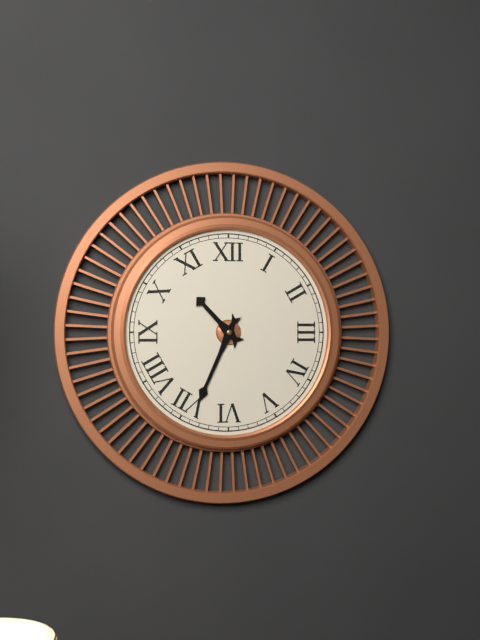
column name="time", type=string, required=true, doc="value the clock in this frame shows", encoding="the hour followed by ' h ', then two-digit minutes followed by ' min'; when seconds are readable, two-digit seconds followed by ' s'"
10 h 34 min
